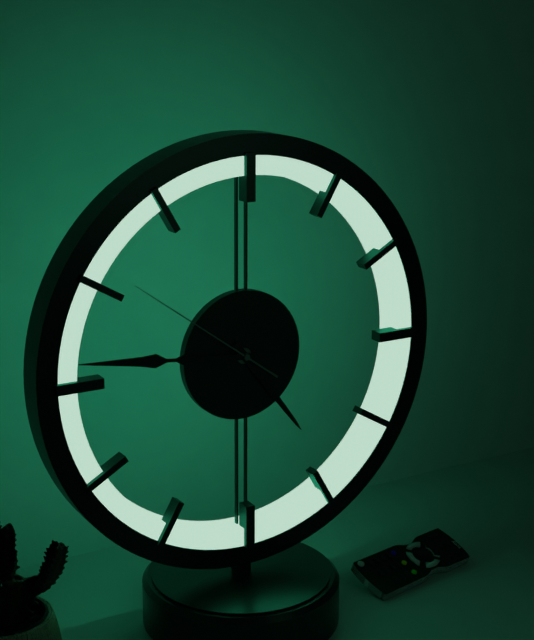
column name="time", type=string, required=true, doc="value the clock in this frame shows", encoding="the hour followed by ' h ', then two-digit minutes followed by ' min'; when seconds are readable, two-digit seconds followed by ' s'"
4 h 46 min 51 s
